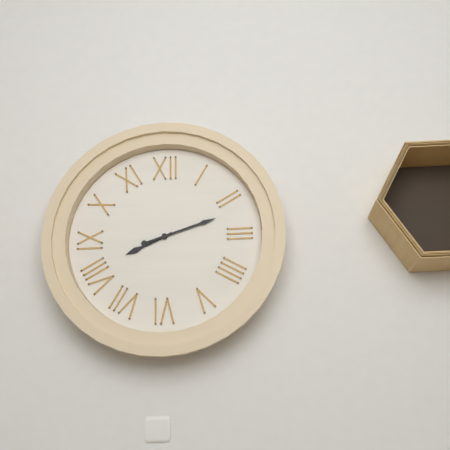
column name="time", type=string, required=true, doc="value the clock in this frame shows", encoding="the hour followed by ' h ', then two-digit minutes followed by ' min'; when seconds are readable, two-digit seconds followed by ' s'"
8 h 12 min
